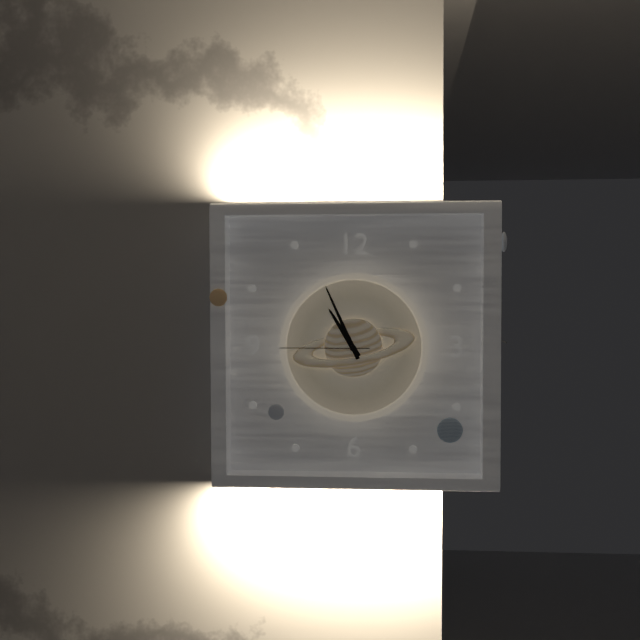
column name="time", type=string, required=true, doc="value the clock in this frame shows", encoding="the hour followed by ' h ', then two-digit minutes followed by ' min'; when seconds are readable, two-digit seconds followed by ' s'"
10 h 56 min 45 s
